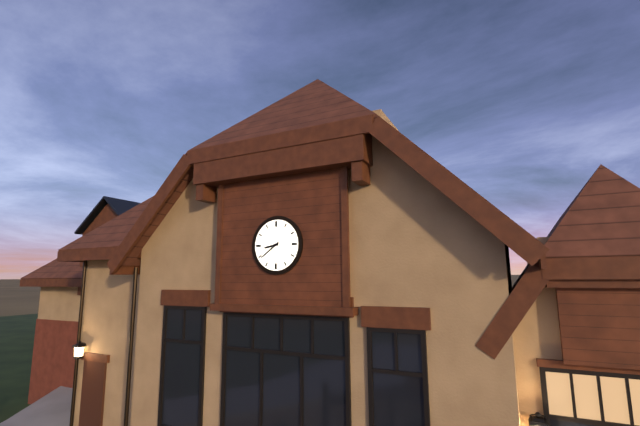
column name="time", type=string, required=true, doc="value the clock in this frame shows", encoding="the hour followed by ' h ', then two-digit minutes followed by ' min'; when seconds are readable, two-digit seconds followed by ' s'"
8 h 39 min
